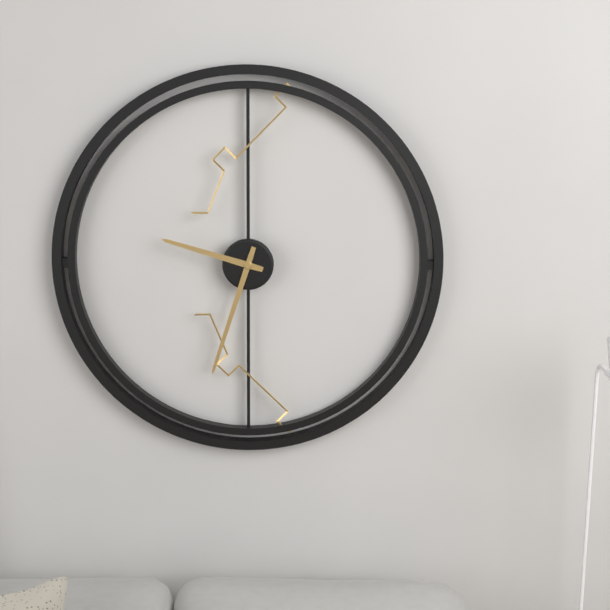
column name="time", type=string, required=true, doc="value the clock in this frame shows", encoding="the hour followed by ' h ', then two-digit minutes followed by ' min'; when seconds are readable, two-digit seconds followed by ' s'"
9 h 33 min
